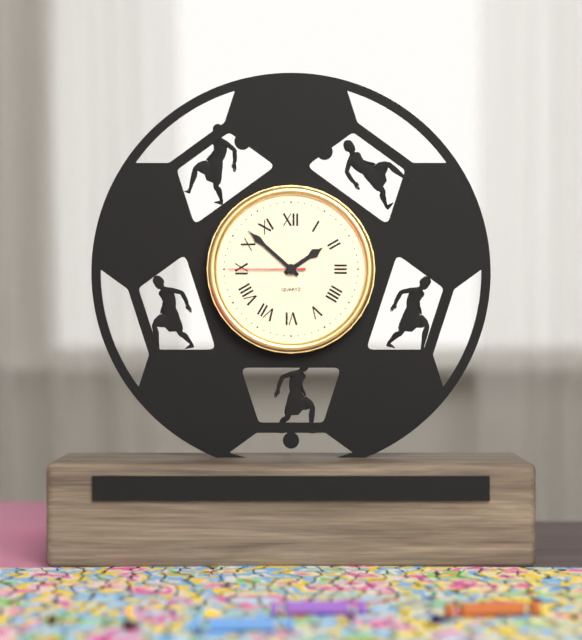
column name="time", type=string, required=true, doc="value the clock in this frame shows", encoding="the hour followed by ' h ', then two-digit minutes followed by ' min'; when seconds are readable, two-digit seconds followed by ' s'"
1 h 52 min 45 s
